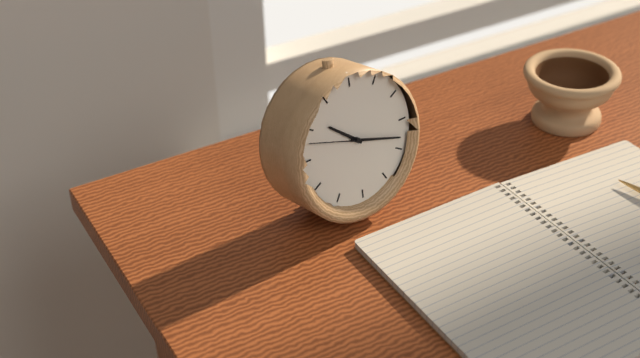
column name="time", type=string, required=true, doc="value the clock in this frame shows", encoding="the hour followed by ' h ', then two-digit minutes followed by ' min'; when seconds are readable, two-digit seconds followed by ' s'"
10 h 18 min 48 s
